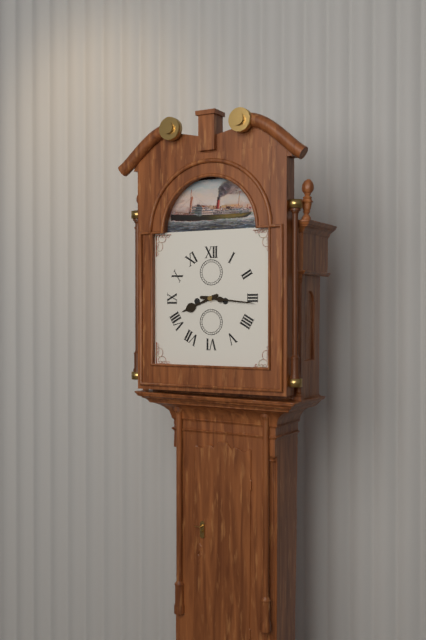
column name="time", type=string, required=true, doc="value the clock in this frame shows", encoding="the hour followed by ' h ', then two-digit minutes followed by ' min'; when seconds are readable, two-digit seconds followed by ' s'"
8 h 16 min
